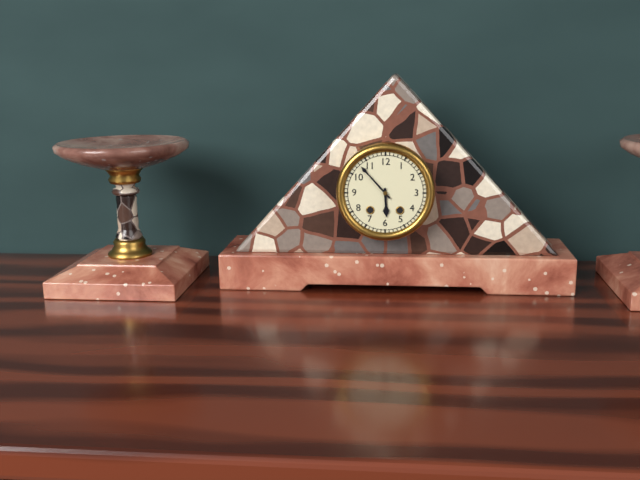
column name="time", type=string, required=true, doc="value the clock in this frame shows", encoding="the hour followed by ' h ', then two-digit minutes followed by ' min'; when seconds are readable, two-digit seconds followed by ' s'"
5 h 53 min
